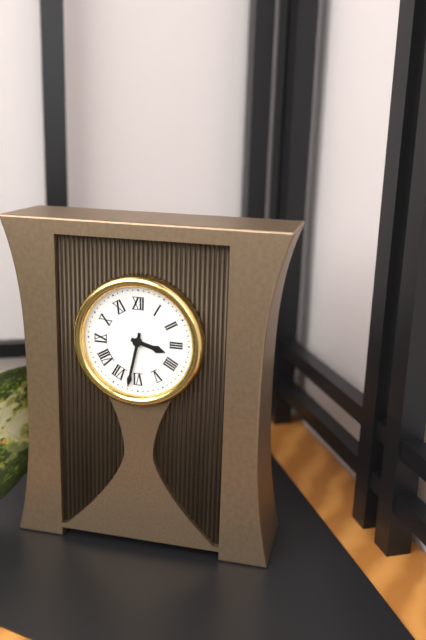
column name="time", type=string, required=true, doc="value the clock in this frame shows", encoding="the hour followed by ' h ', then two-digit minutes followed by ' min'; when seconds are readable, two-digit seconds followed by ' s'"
3 h 32 min
